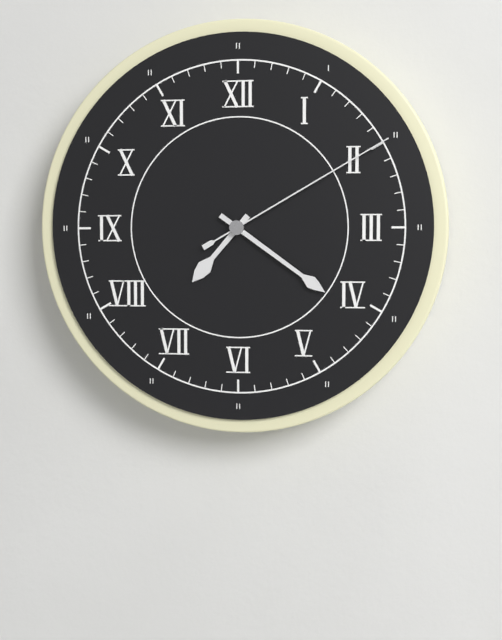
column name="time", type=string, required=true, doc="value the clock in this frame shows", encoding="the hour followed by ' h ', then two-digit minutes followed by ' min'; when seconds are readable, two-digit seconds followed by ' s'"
7 h 21 min 10 s
